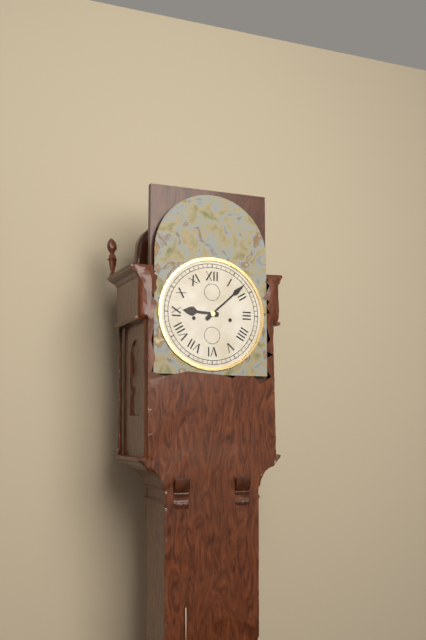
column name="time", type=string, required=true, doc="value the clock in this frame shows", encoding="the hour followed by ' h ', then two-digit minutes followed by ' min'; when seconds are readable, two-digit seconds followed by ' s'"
9 h 08 min
